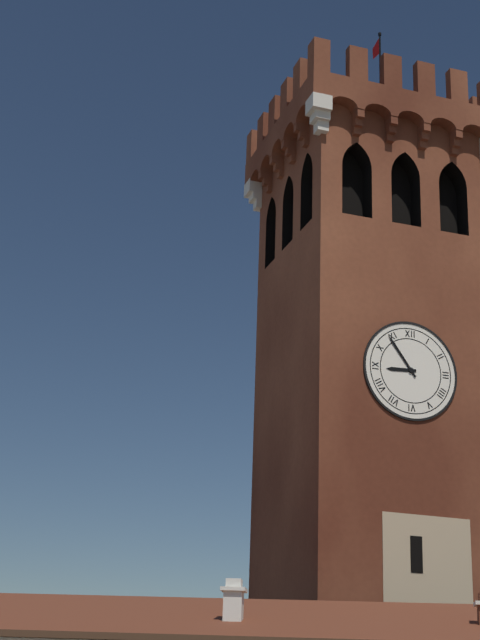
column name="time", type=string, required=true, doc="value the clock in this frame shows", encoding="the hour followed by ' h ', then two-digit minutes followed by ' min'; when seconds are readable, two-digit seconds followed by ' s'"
8 h 54 min
